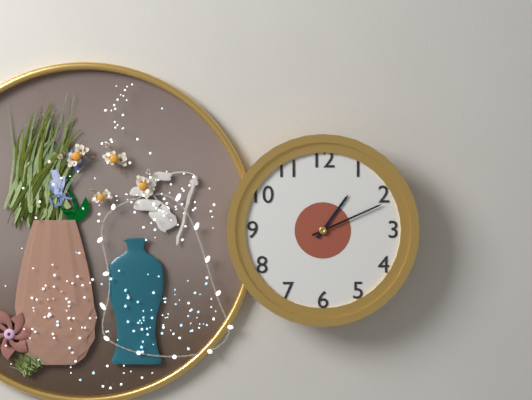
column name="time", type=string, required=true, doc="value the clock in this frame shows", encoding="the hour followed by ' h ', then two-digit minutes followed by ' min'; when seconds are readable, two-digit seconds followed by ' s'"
1 h 11 min
